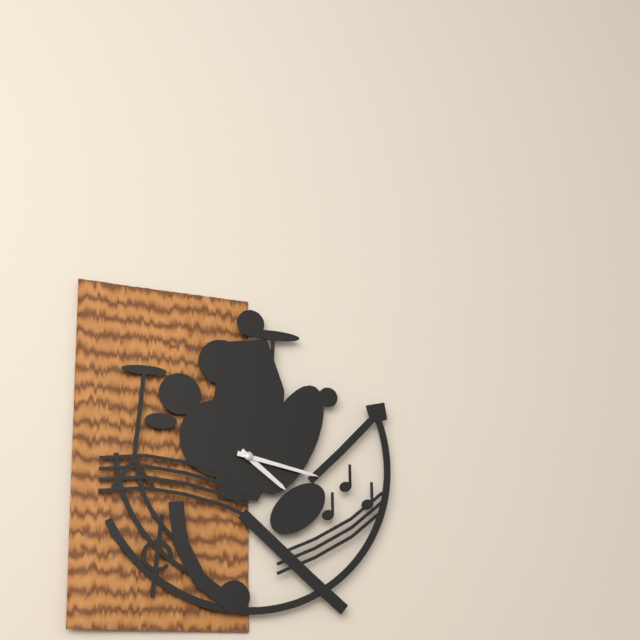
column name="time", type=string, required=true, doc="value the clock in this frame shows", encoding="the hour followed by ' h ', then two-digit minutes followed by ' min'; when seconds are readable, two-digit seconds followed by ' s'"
4 h 17 min
